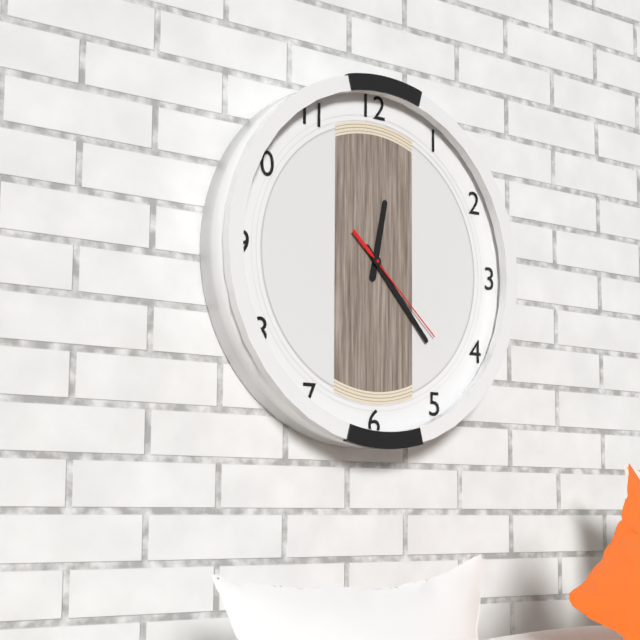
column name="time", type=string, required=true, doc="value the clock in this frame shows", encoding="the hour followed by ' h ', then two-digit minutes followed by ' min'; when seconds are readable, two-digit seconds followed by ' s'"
12 h 23 min 22 s
